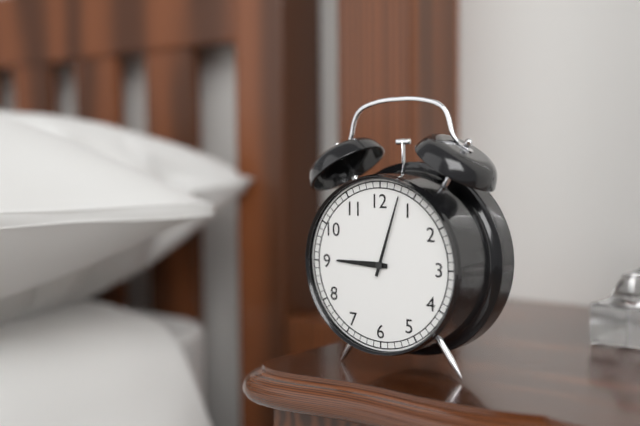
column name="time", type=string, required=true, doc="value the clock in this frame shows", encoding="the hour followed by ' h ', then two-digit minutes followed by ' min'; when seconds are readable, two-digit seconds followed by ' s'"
9 h 03 min
